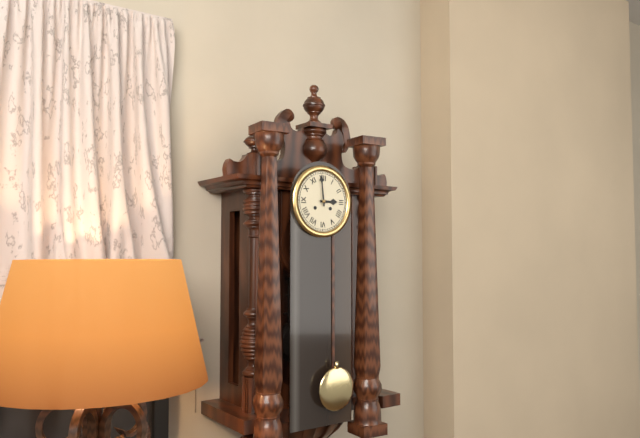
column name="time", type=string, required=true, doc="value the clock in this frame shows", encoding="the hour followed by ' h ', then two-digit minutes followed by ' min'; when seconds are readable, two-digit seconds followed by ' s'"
2 h 59 min
